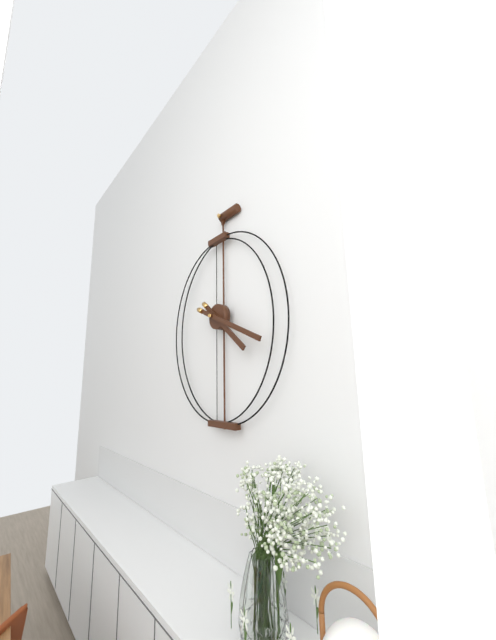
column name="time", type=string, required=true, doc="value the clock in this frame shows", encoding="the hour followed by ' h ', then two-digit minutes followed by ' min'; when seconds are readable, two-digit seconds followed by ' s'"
4 h 19 min
